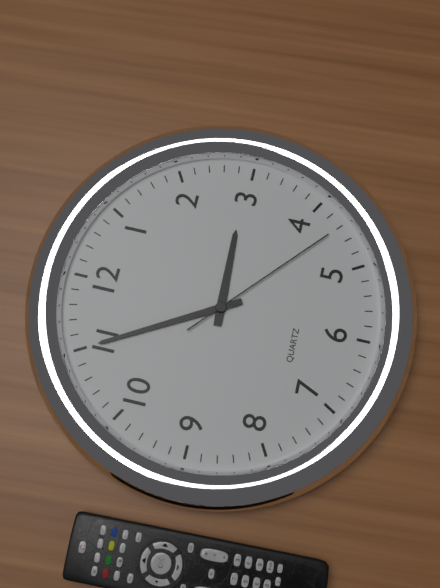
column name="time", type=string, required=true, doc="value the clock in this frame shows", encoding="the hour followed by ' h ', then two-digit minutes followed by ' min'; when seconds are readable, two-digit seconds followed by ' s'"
2 h 55 min 22 s
